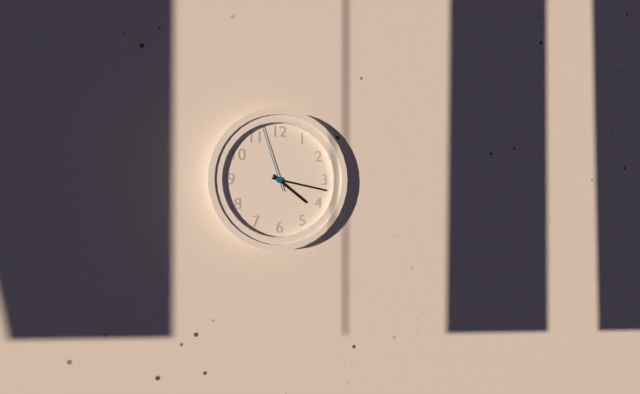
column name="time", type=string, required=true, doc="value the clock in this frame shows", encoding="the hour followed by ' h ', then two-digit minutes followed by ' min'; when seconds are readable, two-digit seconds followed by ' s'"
4 h 17 min 57 s
